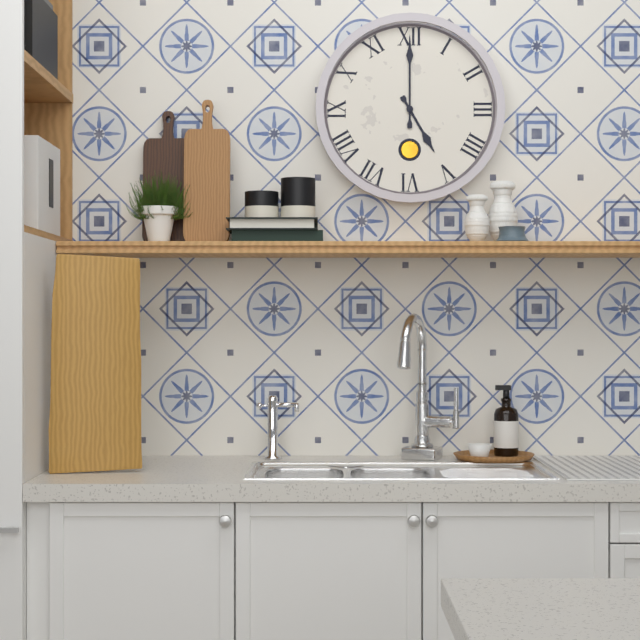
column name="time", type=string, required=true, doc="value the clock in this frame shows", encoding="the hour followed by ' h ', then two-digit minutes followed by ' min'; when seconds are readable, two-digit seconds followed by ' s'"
5 h 00 min
